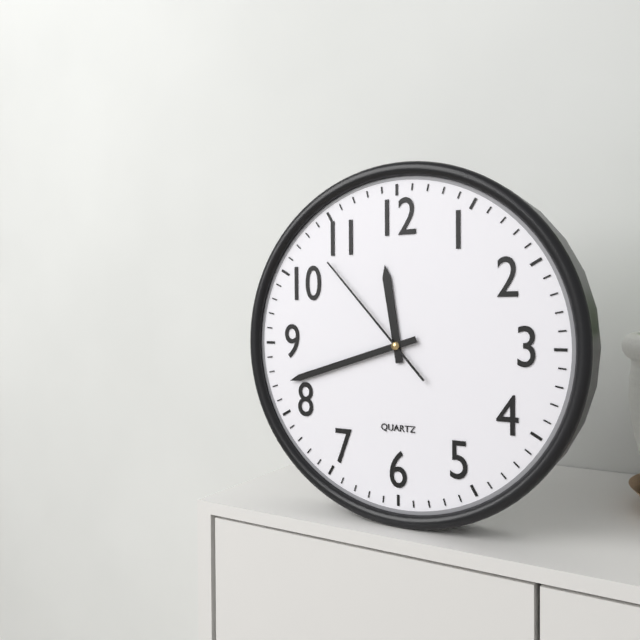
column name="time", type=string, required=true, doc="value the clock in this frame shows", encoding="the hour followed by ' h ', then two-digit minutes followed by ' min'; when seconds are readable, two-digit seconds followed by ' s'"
11 h 42 min 53 s
